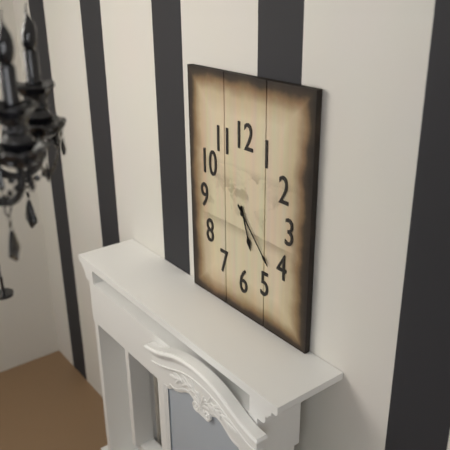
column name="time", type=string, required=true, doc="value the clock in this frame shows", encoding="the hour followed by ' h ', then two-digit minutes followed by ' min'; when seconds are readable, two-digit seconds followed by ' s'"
5 h 23 min
